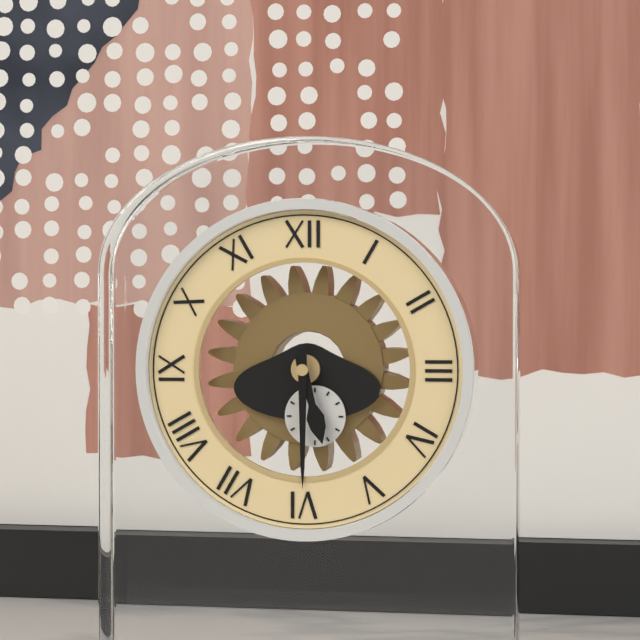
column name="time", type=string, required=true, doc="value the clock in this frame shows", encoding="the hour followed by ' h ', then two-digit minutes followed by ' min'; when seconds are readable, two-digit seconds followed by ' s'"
5 h 30 min
